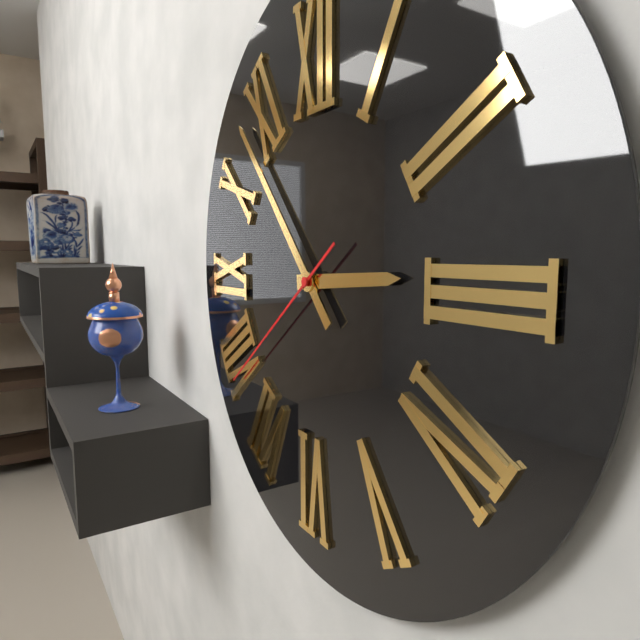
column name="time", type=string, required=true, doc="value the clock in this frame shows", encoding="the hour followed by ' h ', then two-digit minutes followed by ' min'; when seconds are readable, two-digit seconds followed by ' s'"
2 h 53 min 39 s
